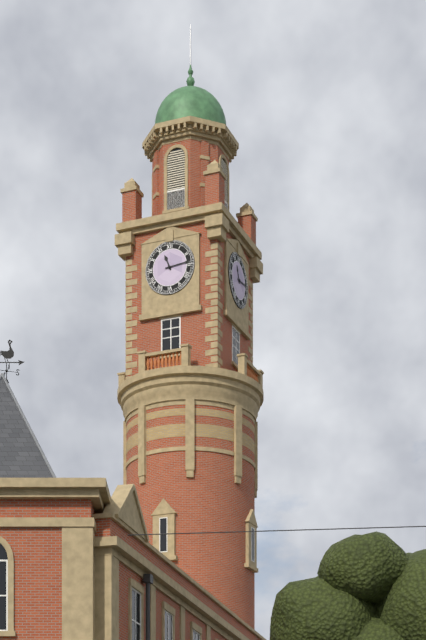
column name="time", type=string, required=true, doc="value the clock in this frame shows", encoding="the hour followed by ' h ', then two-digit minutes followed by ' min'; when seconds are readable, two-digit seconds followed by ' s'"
11 h 14 min
